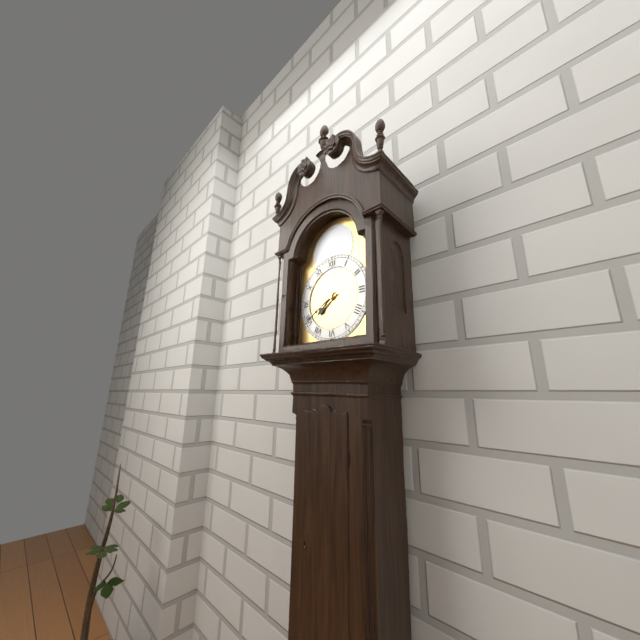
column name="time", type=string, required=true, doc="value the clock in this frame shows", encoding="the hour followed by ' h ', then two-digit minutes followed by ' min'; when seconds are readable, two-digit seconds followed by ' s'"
7 h 40 min
